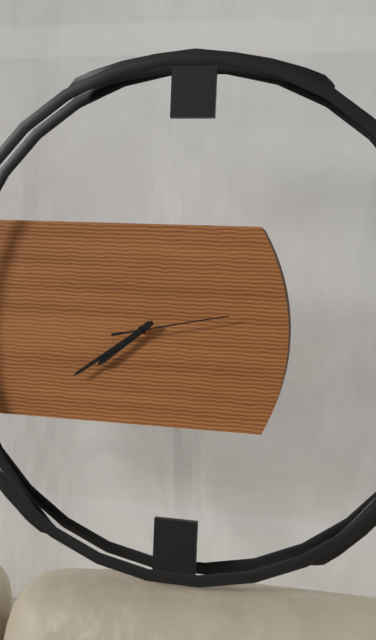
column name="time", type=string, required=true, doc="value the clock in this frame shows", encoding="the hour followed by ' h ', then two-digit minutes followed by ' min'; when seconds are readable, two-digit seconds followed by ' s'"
7 h 39 min 13 s
